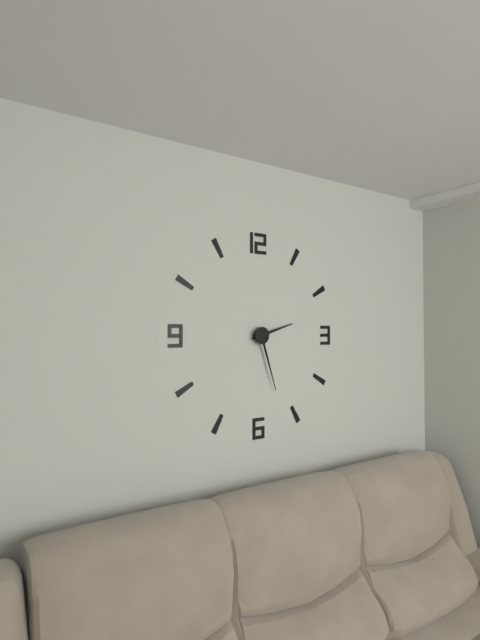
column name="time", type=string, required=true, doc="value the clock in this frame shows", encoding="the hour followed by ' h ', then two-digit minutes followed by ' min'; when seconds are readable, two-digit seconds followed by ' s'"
2 h 27 min
